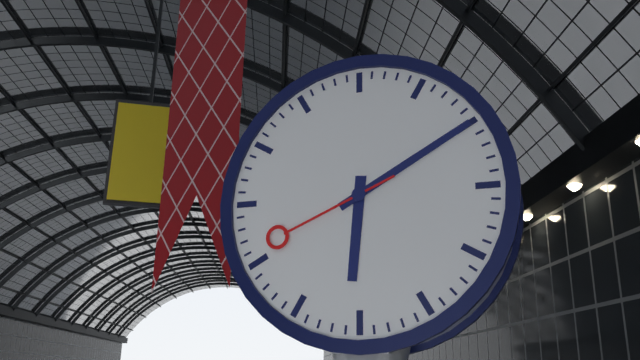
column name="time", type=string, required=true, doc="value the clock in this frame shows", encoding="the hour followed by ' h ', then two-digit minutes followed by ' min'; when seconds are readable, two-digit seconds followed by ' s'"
6 h 10 min 41 s
